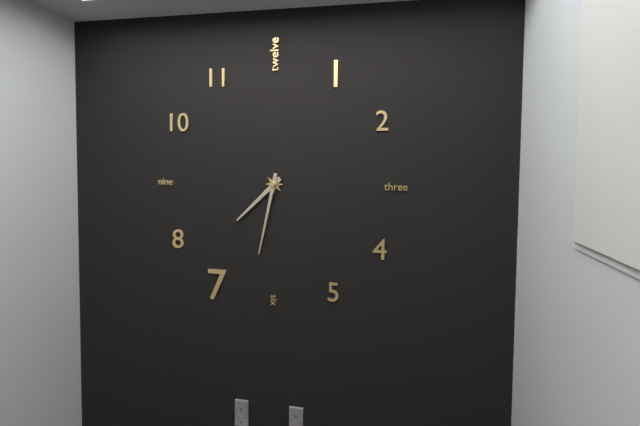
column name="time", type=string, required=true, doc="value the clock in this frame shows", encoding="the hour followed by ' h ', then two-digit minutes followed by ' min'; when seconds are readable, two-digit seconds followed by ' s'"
7 h 32 min
